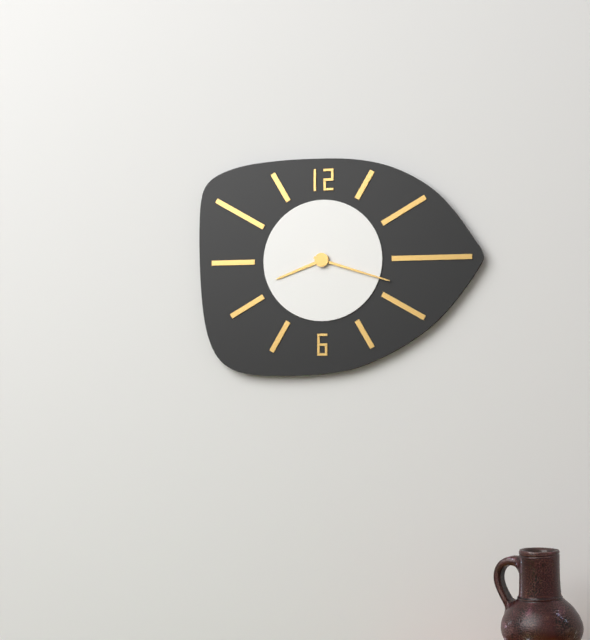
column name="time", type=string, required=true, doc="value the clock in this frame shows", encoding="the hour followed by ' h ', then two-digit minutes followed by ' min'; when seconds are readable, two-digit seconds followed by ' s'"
8 h 18 min
